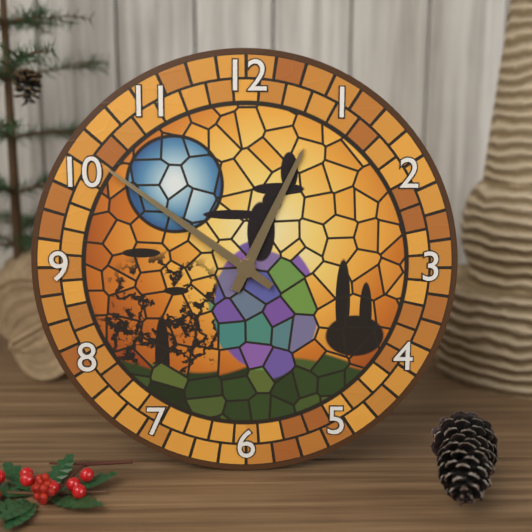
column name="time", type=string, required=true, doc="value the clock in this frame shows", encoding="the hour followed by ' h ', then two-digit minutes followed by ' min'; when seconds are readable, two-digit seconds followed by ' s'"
12 h 51 min
